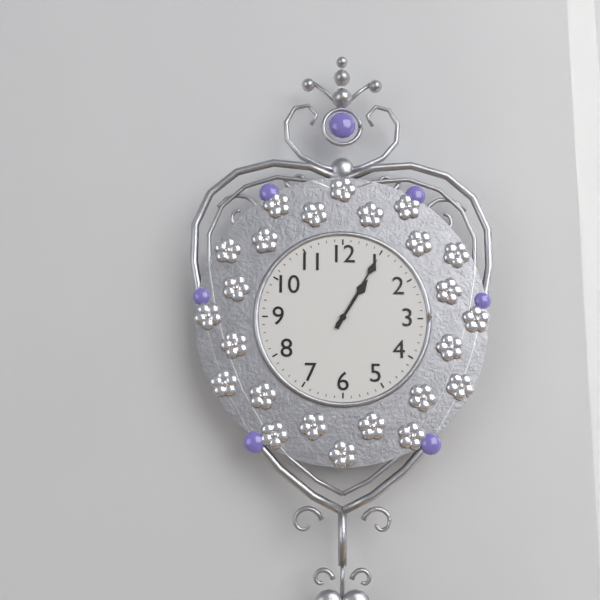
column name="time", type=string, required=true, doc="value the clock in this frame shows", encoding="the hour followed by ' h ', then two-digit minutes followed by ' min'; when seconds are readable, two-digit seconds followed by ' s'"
1 h 05 min
